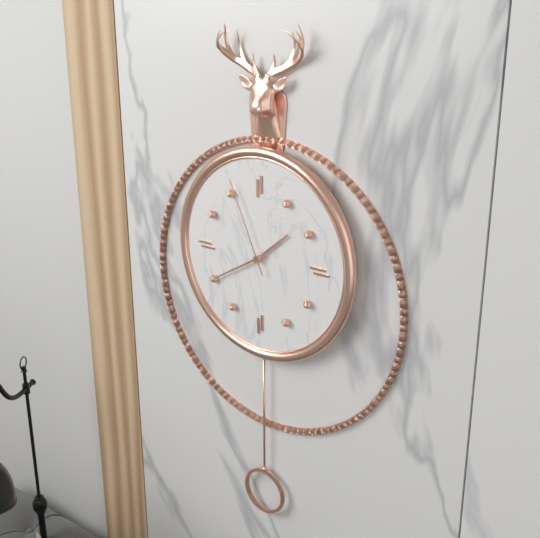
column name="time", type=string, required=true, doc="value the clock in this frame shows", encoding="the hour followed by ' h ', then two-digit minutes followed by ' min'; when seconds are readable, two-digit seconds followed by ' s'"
1 h 40 min 56 s
